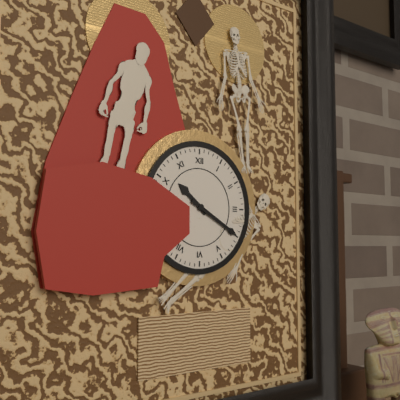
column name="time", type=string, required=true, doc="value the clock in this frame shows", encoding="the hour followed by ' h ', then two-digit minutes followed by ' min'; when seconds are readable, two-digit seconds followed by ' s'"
10 h 20 min
